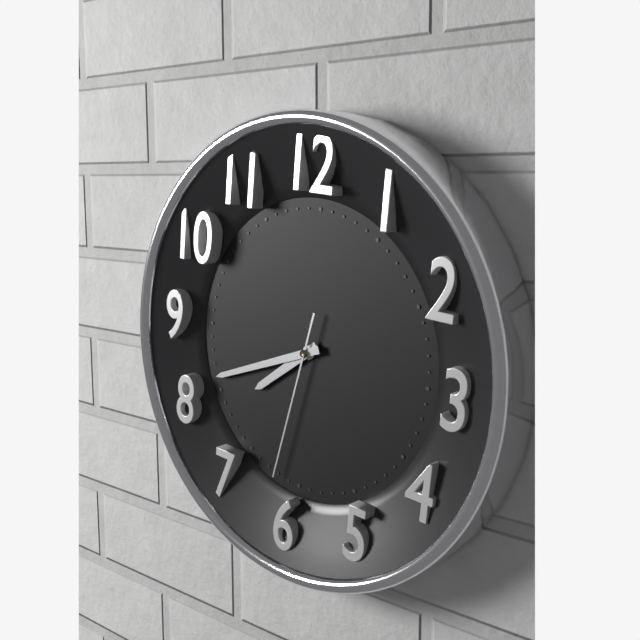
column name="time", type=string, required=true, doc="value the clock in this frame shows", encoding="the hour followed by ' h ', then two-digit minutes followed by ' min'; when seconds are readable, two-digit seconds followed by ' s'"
7 h 41 min 32 s
